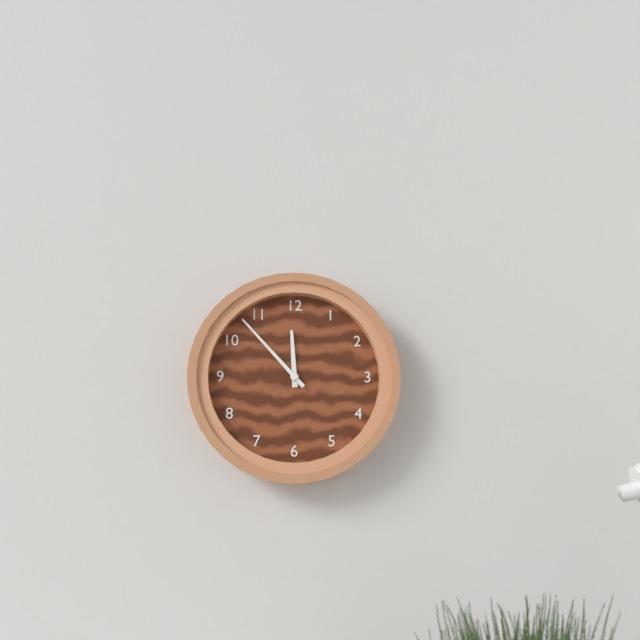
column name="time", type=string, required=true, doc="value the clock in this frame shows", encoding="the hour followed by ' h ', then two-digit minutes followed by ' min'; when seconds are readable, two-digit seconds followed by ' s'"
11 h 53 min
